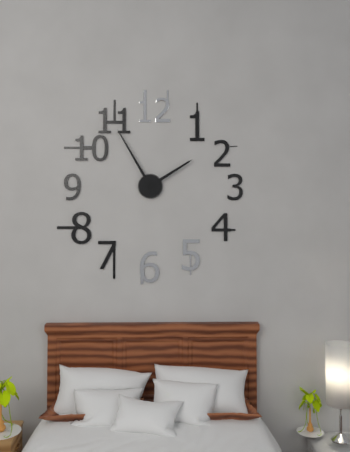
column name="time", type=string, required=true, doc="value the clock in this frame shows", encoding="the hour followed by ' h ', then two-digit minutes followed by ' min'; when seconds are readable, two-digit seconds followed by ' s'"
1 h 55 min
